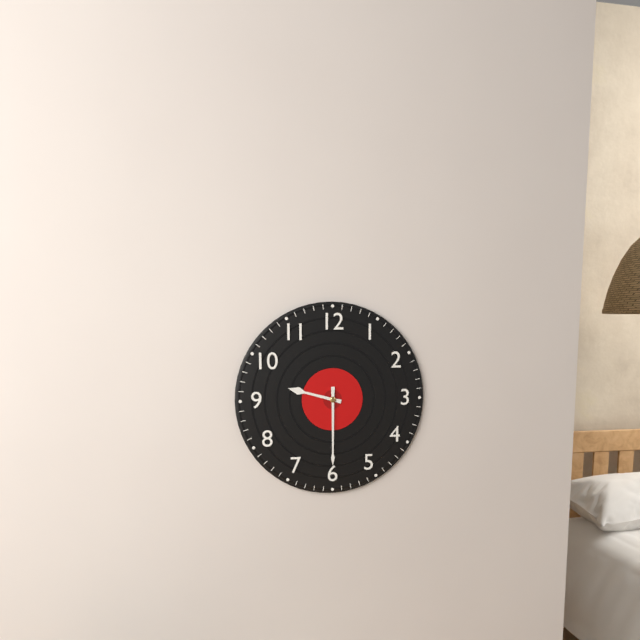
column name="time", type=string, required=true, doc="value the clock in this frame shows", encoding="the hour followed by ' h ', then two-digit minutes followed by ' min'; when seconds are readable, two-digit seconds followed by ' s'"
9 h 30 min
